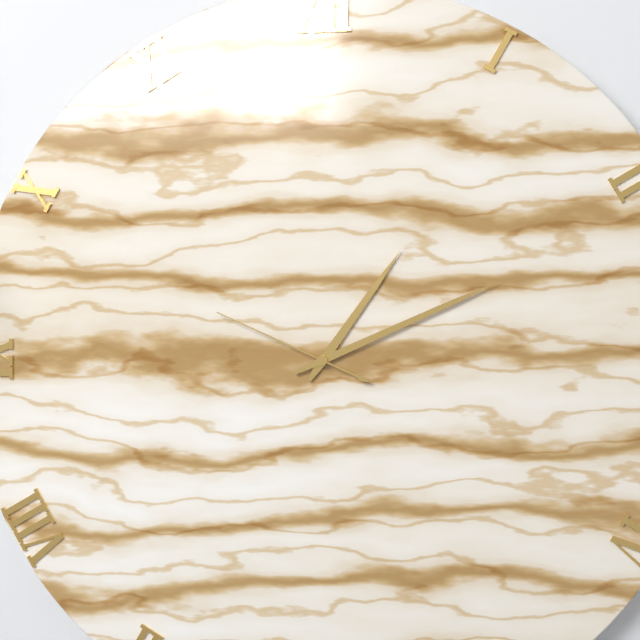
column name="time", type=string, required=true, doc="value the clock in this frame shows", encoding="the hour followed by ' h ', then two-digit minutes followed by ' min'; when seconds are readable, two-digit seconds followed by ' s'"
1 h 11 min 49 s
